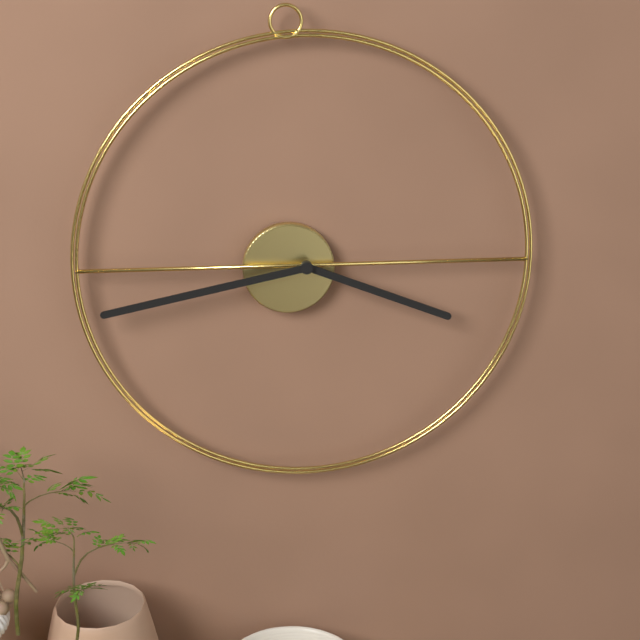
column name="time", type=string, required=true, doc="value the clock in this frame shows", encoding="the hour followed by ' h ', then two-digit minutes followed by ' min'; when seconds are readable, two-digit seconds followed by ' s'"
3 h 43 min
